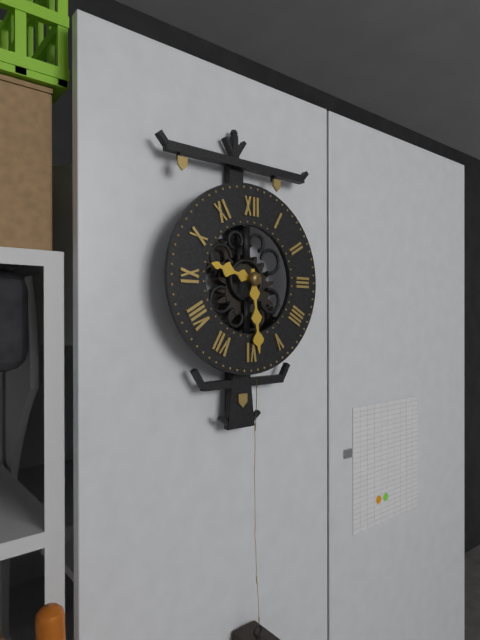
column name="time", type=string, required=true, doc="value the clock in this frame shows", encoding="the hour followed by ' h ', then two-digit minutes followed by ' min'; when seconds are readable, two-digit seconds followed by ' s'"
9 h 29 min
